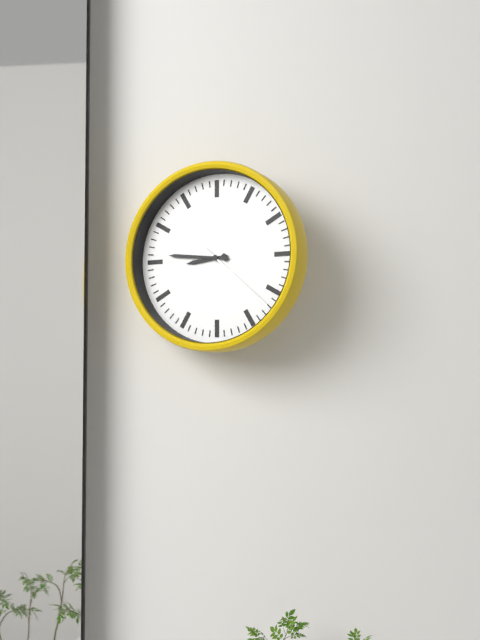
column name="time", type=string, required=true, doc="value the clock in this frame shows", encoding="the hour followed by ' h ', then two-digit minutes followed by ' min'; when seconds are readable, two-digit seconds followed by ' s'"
8 h 46 min 22 s
